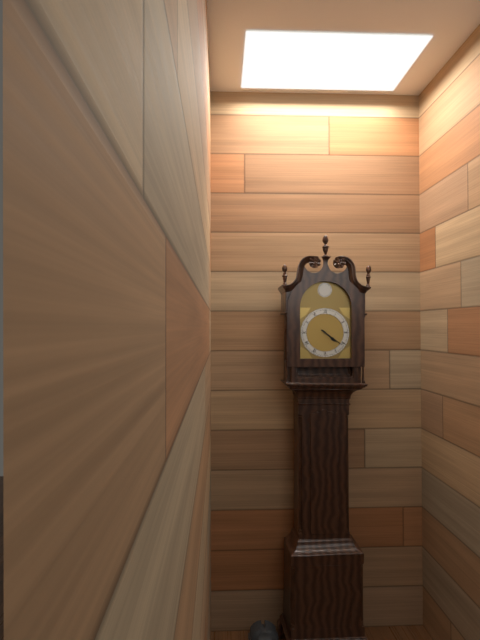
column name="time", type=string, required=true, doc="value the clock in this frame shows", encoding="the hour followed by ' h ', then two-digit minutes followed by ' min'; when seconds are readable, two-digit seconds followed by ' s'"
4 h 21 min
